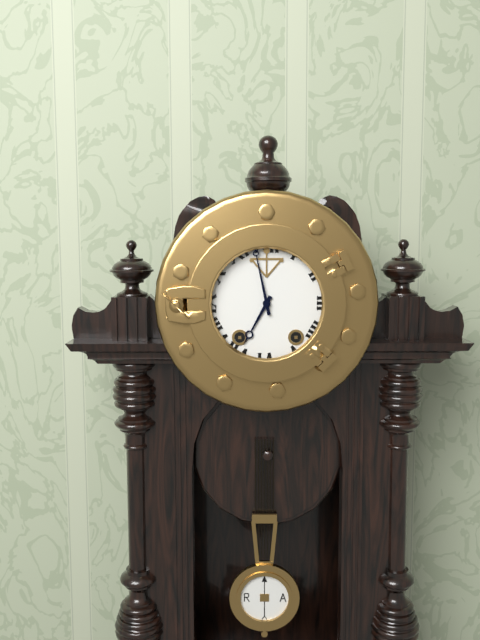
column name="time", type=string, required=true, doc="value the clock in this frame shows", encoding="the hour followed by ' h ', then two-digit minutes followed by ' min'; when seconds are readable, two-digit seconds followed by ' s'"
6 h 58 min
